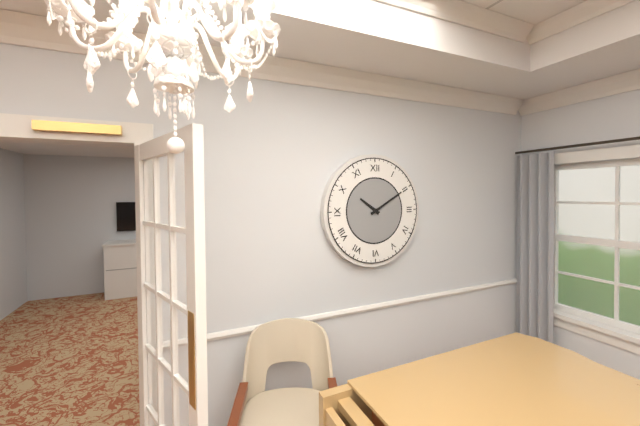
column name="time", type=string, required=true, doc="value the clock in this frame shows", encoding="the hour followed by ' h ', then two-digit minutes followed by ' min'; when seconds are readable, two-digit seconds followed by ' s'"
10 h 10 min
